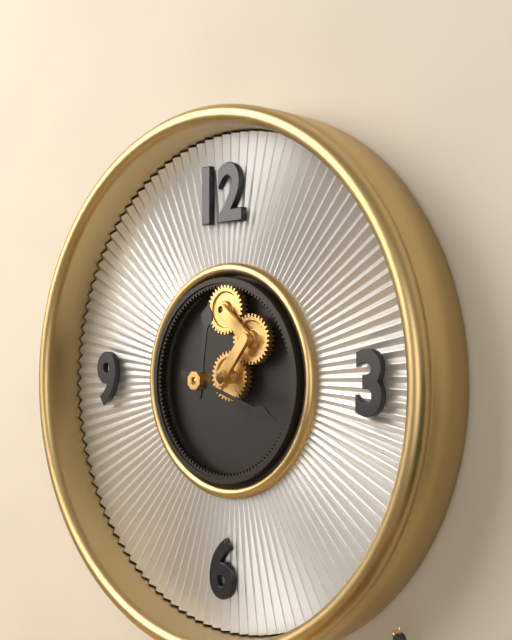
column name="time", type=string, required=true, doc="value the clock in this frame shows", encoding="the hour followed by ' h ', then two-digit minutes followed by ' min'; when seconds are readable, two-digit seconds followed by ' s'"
12 h 18 min
